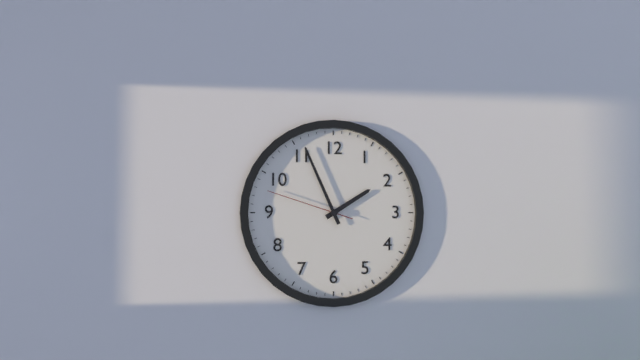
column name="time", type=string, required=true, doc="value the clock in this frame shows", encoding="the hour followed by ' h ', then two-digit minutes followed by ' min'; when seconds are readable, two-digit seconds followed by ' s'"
1 h 56 min 48 s
